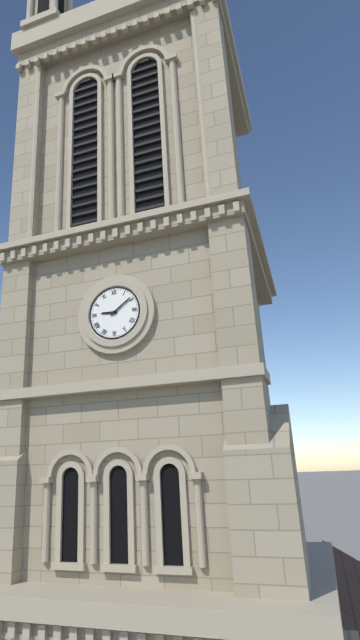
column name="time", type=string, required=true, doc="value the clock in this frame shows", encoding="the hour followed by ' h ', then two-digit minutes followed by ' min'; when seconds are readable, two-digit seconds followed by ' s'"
9 h 09 min
